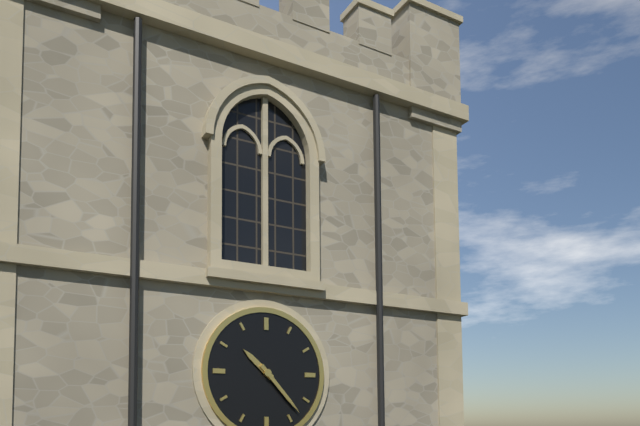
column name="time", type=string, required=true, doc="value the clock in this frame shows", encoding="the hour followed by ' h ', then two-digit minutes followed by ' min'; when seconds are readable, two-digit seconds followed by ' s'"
10 h 23 min
